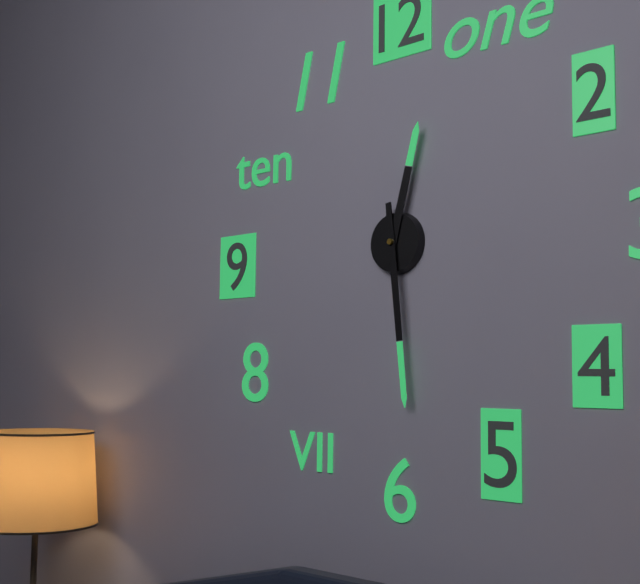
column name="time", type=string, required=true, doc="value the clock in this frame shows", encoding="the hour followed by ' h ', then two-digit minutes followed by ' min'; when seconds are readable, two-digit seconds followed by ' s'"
12 h 29 min
